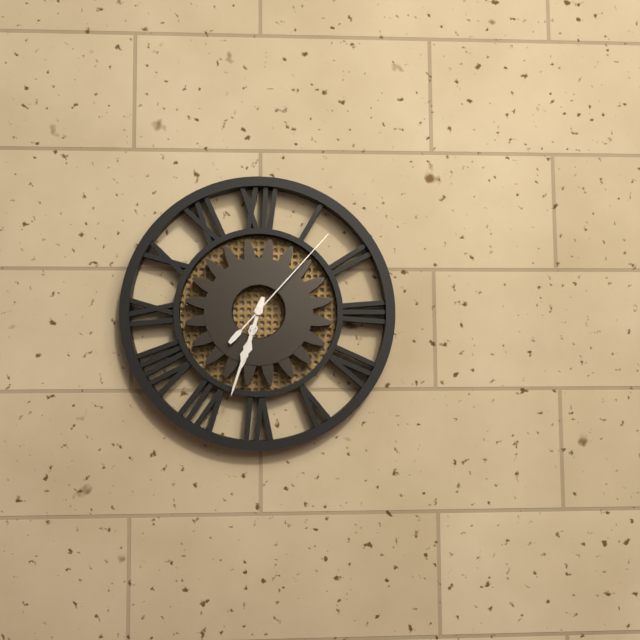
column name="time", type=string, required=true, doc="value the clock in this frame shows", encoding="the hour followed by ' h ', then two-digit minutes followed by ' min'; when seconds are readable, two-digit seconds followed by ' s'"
6 h 33 min 07 s
